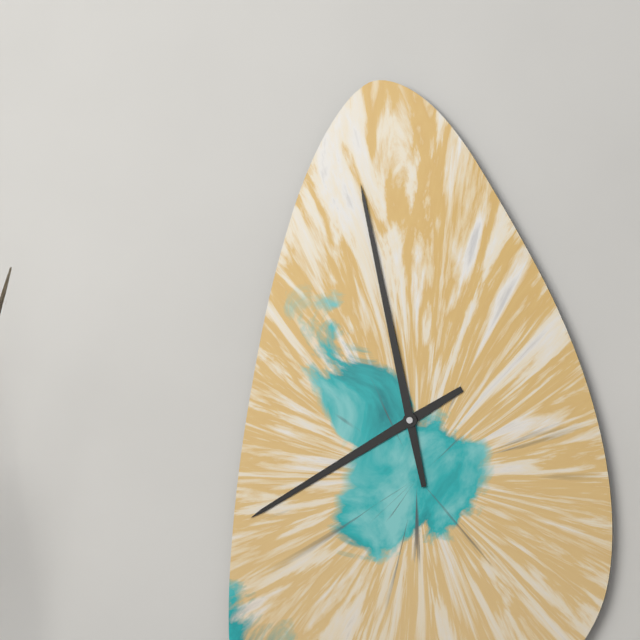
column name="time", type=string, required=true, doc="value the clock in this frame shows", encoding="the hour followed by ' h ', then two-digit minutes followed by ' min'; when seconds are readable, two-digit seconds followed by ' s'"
7 h 58 min
